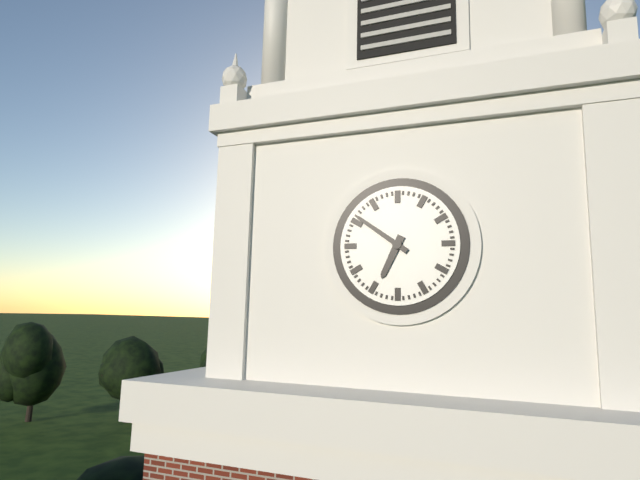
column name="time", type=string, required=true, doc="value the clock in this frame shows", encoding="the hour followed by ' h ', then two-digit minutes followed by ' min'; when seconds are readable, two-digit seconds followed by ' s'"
6 h 51 min
